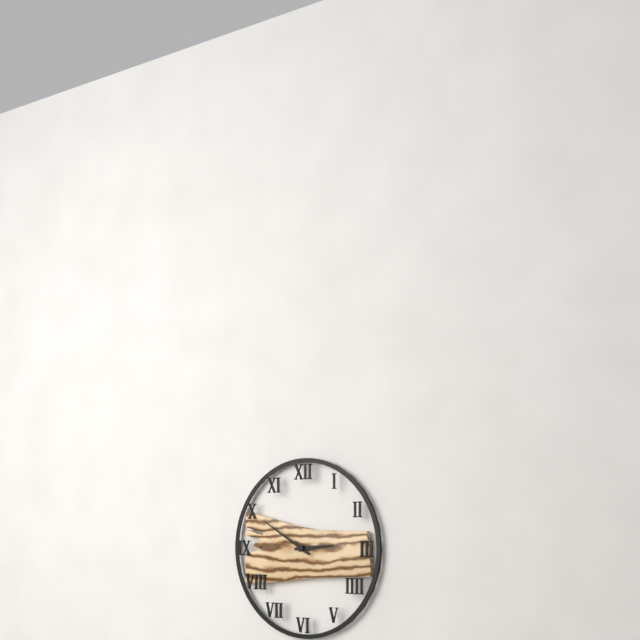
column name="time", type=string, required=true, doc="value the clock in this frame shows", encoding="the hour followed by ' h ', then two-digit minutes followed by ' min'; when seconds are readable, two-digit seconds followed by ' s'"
2 h 50 min
